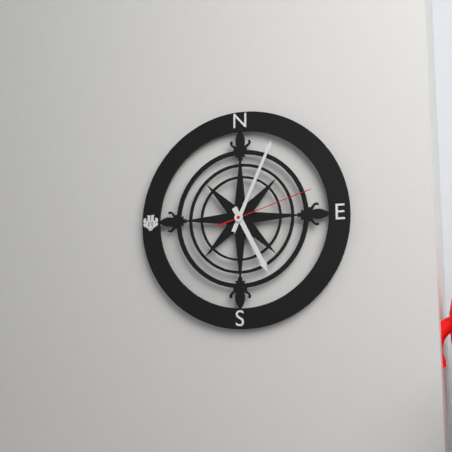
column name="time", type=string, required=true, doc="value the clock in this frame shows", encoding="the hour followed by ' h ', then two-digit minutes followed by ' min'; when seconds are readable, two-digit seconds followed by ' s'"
5 h 04 min 12 s
